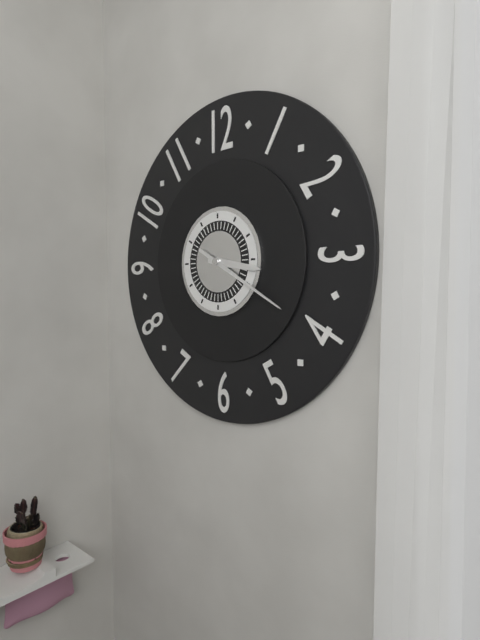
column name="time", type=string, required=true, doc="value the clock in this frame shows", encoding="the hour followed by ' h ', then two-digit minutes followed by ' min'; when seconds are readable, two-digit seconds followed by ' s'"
3 h 20 min
